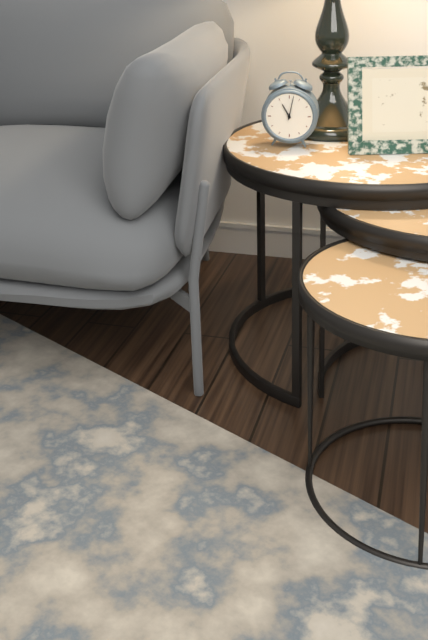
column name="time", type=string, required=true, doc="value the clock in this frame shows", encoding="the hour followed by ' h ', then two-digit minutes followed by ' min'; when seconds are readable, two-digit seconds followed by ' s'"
11 h 02 min
